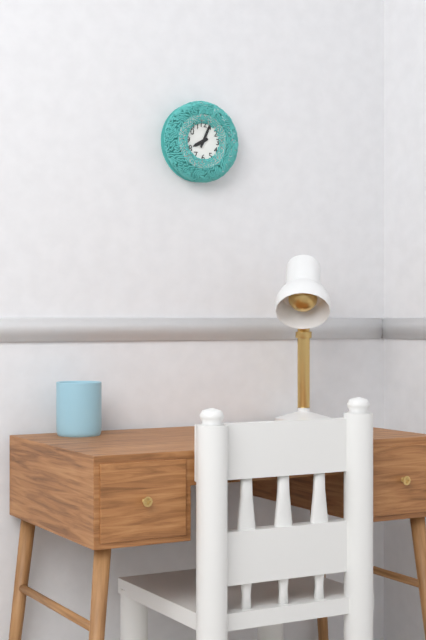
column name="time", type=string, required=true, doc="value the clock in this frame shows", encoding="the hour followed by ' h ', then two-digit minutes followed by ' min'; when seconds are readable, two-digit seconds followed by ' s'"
8 h 04 min
